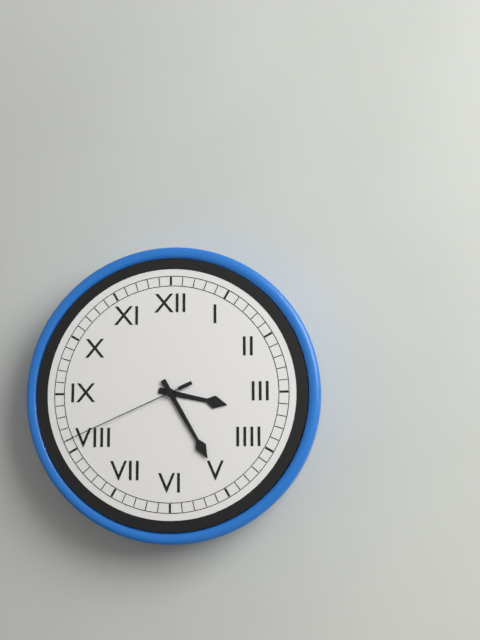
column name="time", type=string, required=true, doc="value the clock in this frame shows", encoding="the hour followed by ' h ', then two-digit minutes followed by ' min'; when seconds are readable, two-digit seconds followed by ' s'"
3 h 25 min 41 s
